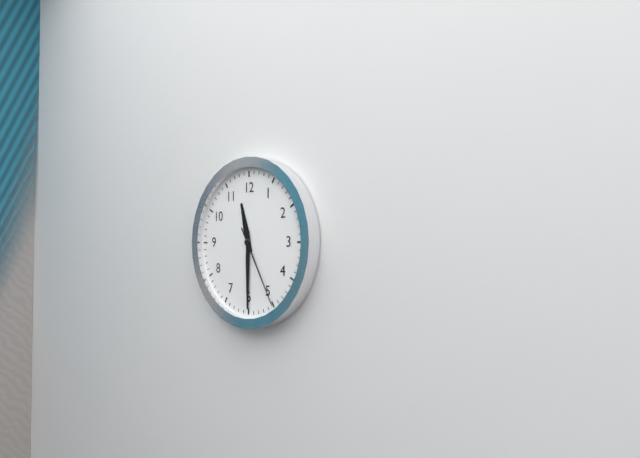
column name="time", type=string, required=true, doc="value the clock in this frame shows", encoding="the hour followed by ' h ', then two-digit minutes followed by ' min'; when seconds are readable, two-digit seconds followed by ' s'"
11 h 30 min 25 s
